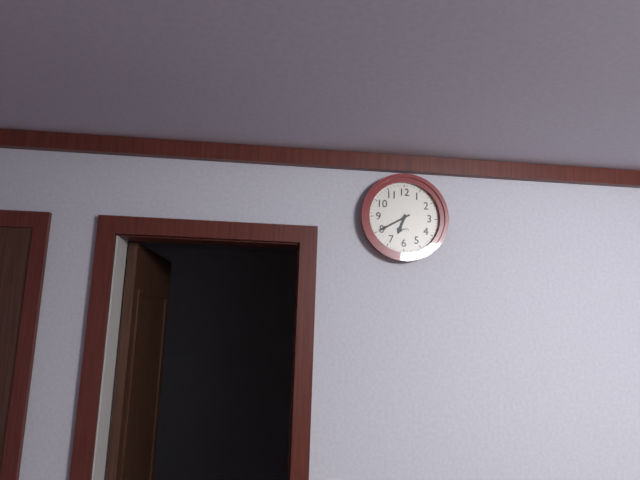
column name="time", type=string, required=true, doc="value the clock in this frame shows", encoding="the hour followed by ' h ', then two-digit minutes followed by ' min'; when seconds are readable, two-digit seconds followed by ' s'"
6 h 40 min
